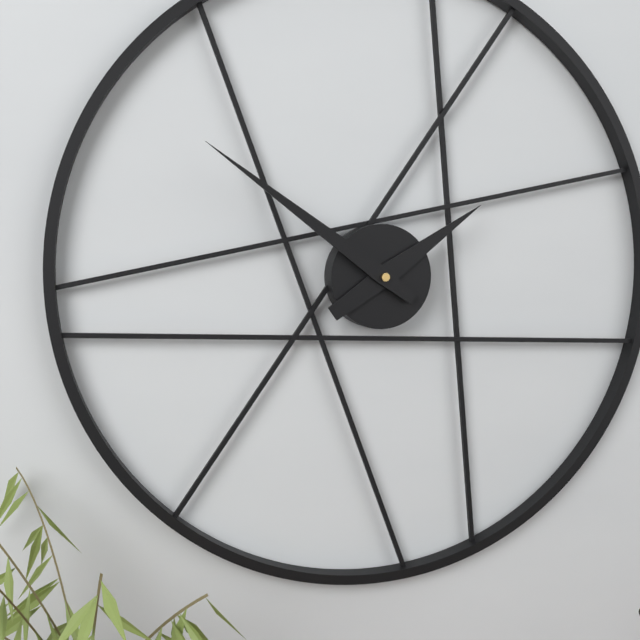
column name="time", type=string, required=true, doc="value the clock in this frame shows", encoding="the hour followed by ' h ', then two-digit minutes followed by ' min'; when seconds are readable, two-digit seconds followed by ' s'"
1 h 51 min
